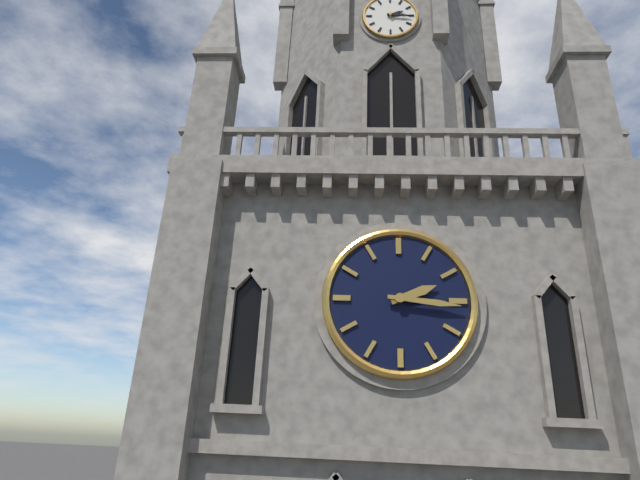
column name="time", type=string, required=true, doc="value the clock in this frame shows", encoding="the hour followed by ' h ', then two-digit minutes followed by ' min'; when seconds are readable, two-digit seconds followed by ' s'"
2 h 16 min
